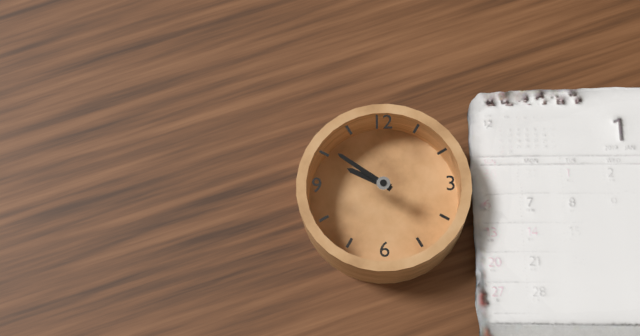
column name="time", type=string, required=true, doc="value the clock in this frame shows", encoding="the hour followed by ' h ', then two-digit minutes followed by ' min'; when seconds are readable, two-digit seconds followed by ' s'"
9 h 51 min
